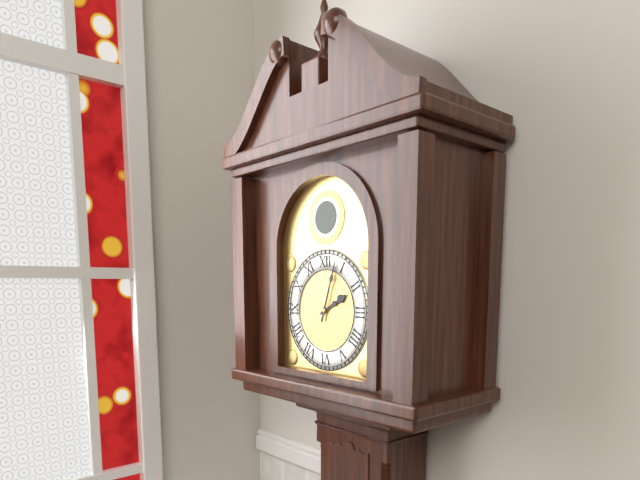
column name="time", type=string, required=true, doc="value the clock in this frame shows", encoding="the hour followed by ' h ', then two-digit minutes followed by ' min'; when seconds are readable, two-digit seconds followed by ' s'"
2 h 03 min
